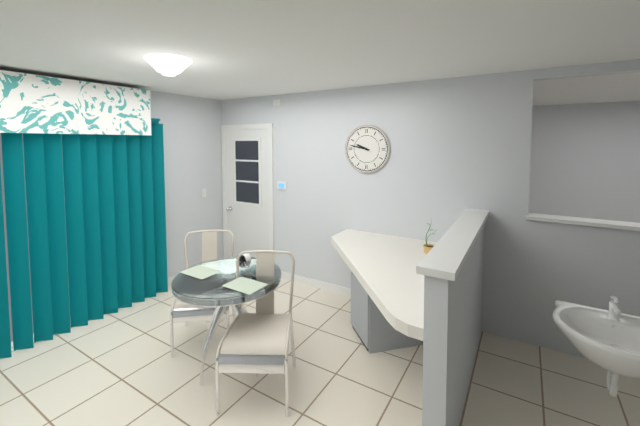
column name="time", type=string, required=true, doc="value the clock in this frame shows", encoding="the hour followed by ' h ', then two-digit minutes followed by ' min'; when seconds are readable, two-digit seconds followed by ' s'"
9 h 47 min
